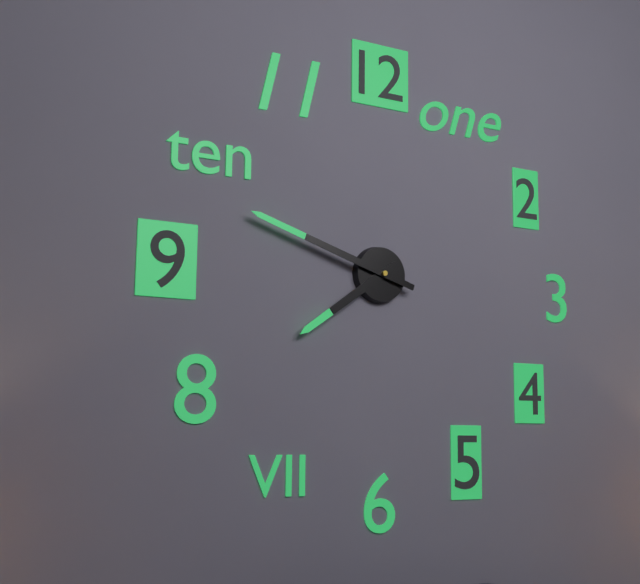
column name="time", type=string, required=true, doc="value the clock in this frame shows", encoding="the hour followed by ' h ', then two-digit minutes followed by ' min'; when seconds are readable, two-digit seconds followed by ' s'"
7 h 48 min
